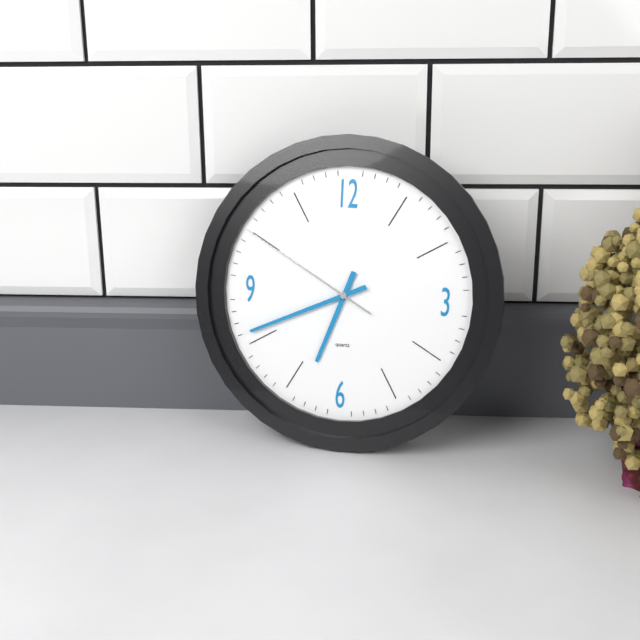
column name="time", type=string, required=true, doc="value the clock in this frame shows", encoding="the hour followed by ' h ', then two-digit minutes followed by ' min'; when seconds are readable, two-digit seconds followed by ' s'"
6 h 41 min 50 s
